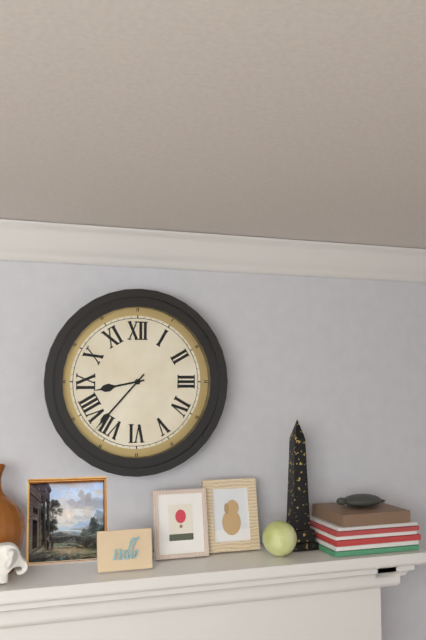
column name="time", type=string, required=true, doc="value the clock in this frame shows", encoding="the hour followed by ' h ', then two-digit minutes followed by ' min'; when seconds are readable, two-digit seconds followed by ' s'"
8 h 37 min
